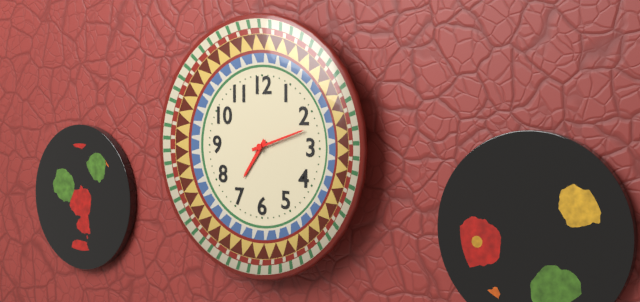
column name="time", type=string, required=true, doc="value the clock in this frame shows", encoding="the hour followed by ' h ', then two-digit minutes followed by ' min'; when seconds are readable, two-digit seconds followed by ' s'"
7 h 12 min
